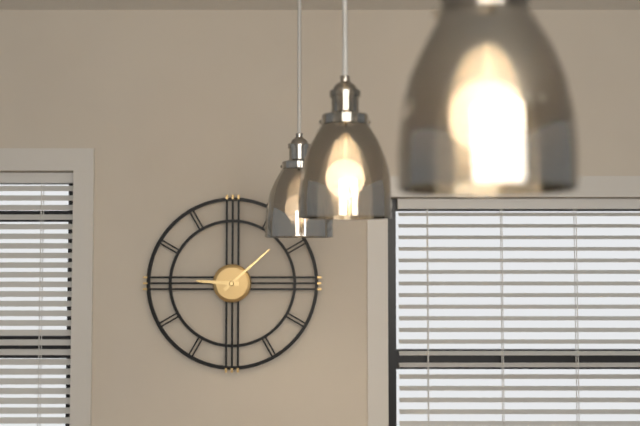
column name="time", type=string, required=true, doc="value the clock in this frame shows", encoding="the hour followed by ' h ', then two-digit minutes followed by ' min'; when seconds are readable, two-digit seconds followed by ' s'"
9 h 08 min
